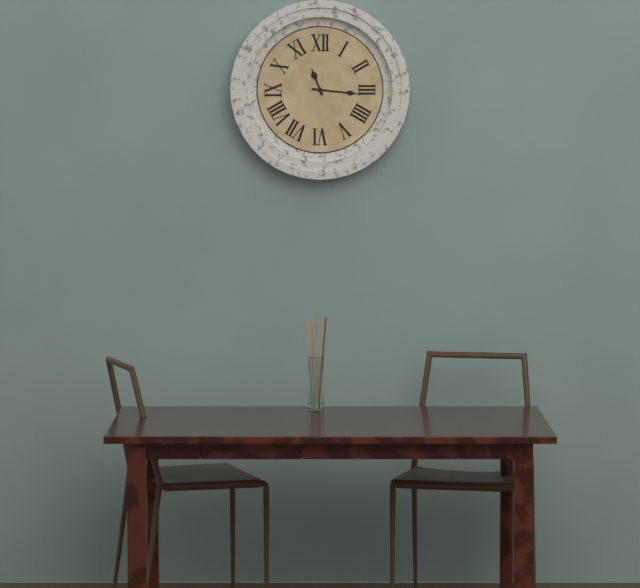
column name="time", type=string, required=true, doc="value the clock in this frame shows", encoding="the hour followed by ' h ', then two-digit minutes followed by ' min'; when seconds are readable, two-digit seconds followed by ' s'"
11 h 16 min
